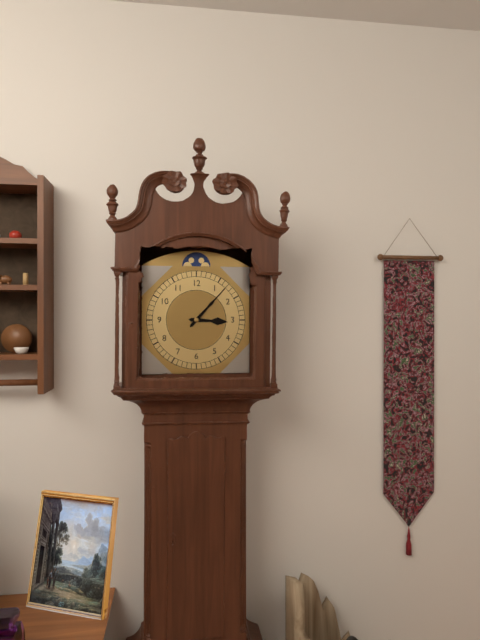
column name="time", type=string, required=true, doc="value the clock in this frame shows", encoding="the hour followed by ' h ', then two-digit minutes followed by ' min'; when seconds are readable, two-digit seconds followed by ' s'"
3 h 07 min
